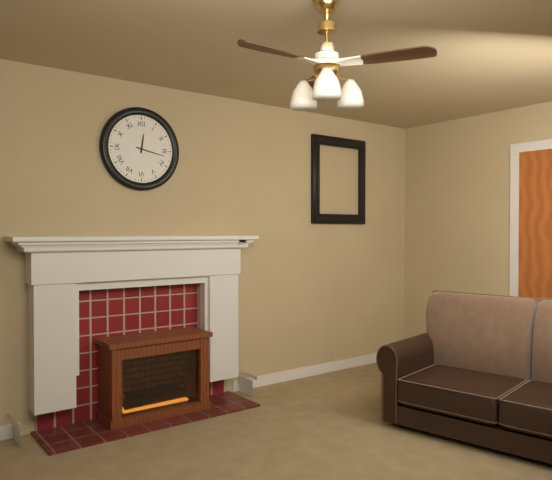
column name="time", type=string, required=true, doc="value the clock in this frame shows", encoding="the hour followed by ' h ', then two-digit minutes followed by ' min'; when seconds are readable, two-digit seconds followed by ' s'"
12 h 17 min
